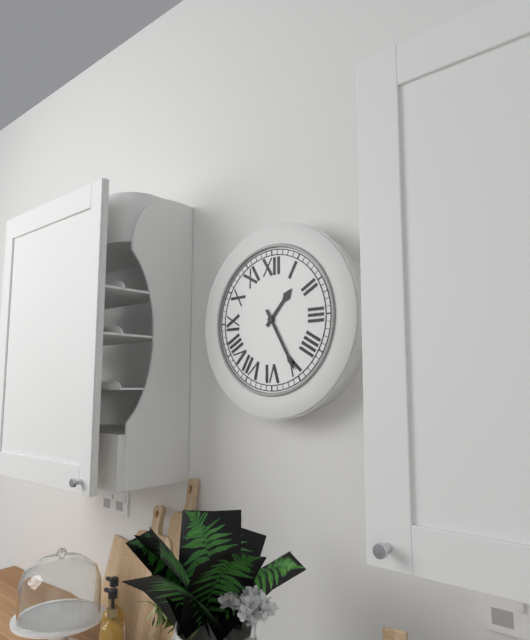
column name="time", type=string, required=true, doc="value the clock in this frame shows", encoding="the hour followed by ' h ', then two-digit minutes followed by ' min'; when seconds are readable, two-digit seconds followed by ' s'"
1 h 25 min
